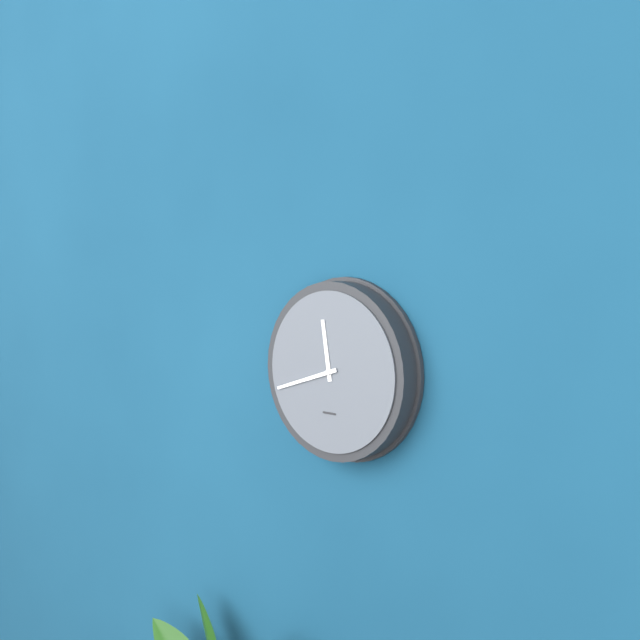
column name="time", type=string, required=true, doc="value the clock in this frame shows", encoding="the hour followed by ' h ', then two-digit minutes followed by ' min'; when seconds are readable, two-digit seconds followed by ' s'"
11 h 42 min
